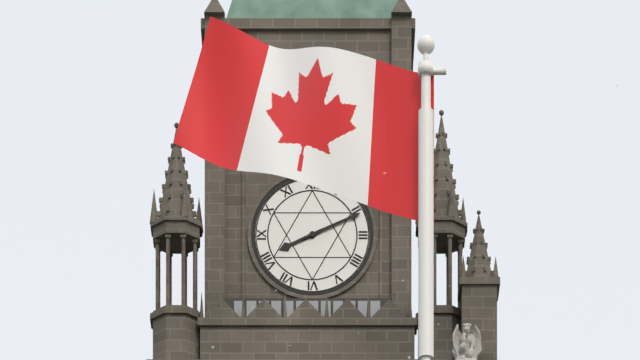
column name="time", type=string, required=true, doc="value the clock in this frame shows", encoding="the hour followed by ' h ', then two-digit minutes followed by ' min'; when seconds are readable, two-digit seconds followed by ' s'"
8 h 11 min
